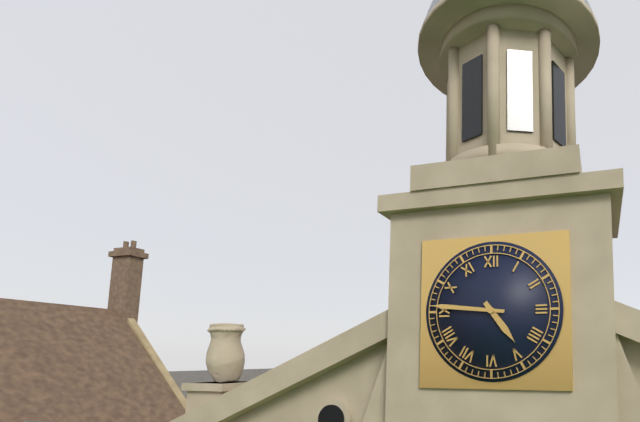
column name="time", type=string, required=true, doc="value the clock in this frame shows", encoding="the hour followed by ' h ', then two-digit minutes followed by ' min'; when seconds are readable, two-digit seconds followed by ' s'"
4 h 46 min
